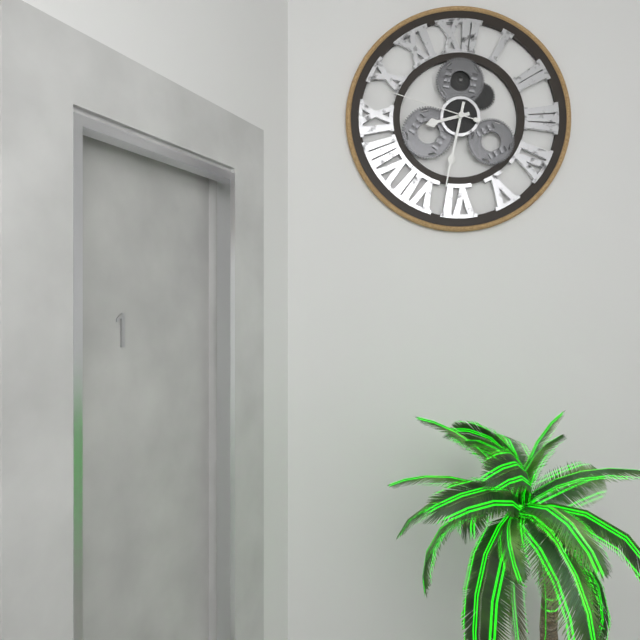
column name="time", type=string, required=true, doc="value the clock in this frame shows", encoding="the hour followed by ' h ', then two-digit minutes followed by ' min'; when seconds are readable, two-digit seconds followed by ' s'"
8 h 32 min 48 s
